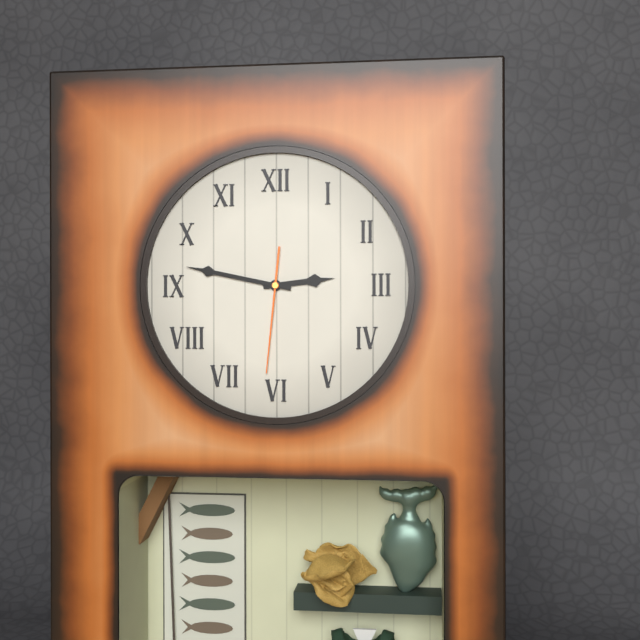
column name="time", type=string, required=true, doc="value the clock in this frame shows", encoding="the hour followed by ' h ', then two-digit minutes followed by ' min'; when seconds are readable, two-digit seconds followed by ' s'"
2 h 47 min 31 s
